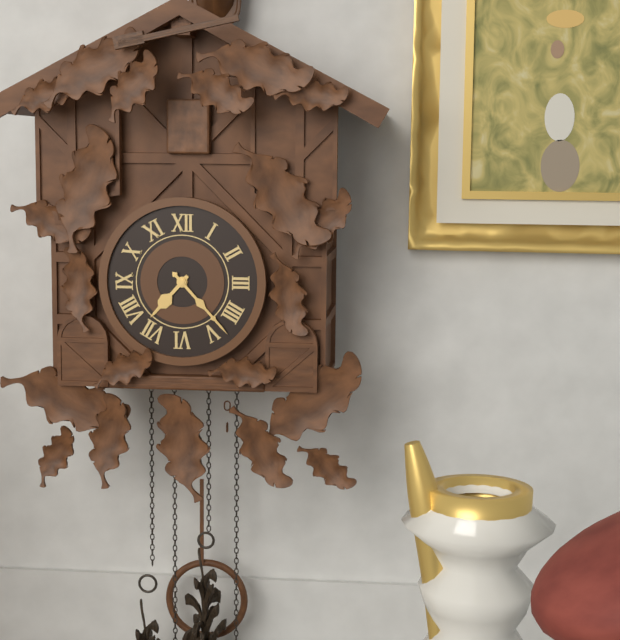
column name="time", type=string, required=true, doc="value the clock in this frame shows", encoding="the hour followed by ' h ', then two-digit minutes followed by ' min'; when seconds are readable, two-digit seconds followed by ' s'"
7 h 23 min
